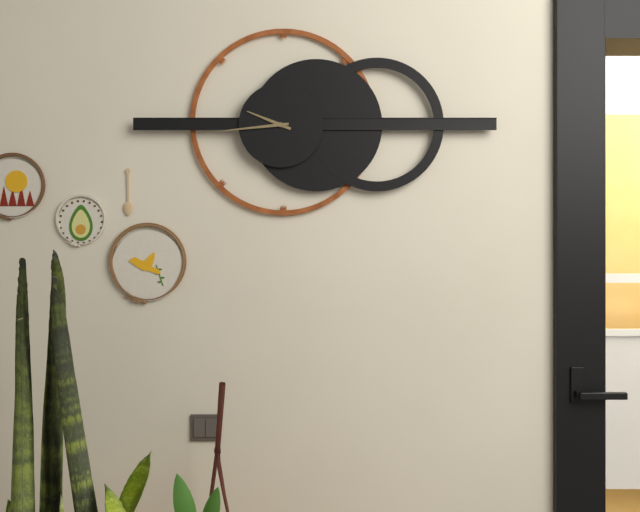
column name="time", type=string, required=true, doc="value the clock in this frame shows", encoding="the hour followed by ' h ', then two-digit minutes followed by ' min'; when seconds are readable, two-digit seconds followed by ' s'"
9 h 44 min
